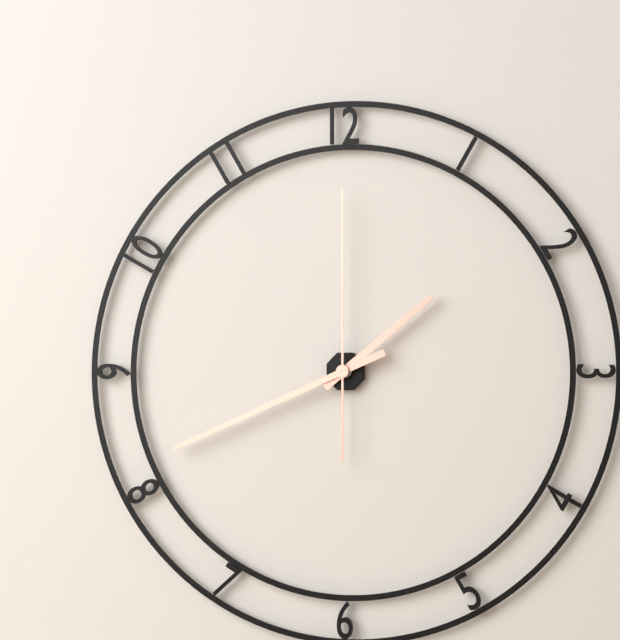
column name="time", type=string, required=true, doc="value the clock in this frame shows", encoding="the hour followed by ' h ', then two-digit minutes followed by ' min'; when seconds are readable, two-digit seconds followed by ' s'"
1 h 41 min 00 s
